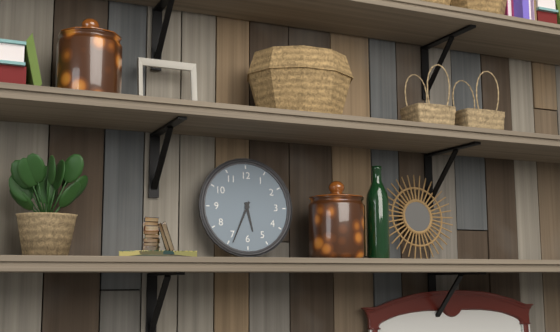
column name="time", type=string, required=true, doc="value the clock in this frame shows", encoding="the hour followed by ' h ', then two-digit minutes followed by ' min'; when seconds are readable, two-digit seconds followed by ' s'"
5 h 34 min
